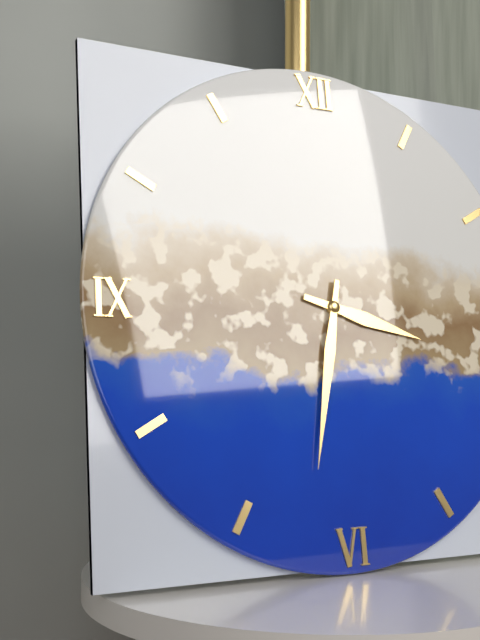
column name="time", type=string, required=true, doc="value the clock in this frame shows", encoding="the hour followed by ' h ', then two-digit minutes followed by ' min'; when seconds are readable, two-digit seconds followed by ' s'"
3 h 32 min
